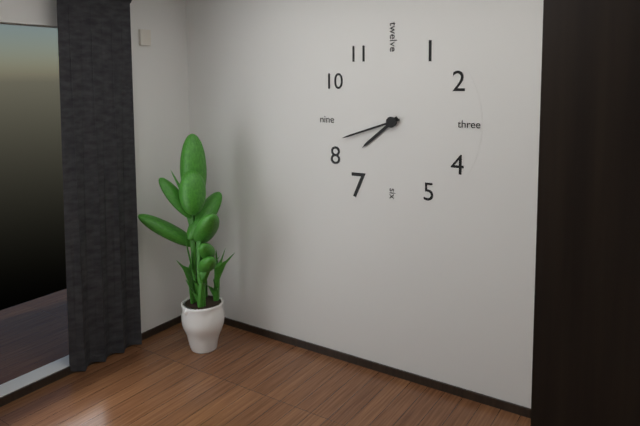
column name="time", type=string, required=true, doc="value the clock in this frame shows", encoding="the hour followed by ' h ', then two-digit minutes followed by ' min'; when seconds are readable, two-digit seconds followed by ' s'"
7 h 42 min
